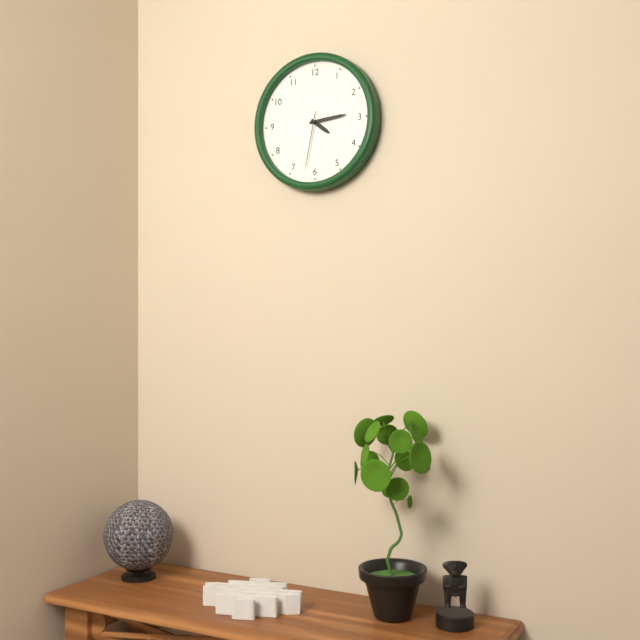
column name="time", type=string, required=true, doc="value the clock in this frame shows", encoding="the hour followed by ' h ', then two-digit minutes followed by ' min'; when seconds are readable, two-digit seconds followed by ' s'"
4 h 14 min 32 s
